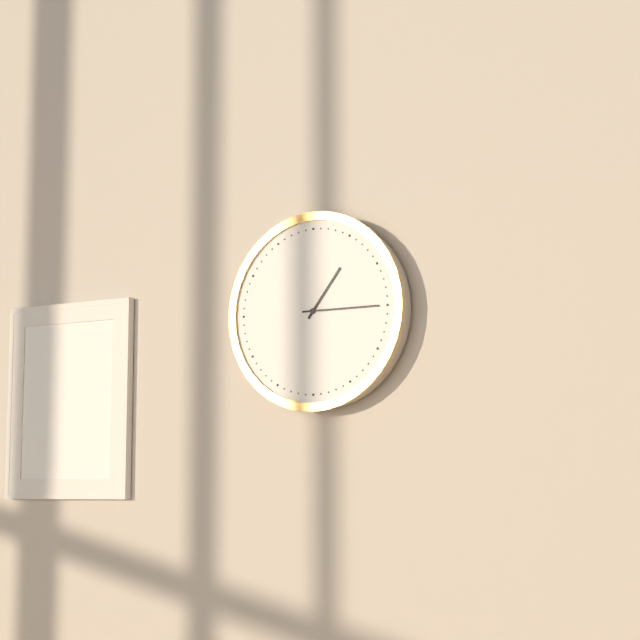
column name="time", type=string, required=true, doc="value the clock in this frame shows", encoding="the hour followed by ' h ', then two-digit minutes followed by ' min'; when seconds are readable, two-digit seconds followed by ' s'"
1 h 15 min
